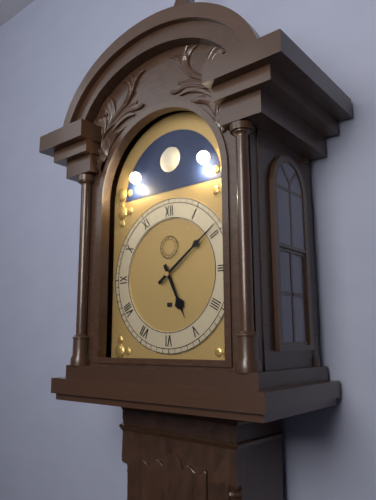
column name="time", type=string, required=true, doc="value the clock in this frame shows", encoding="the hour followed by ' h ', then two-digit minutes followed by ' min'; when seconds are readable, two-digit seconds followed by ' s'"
5 h 09 min
